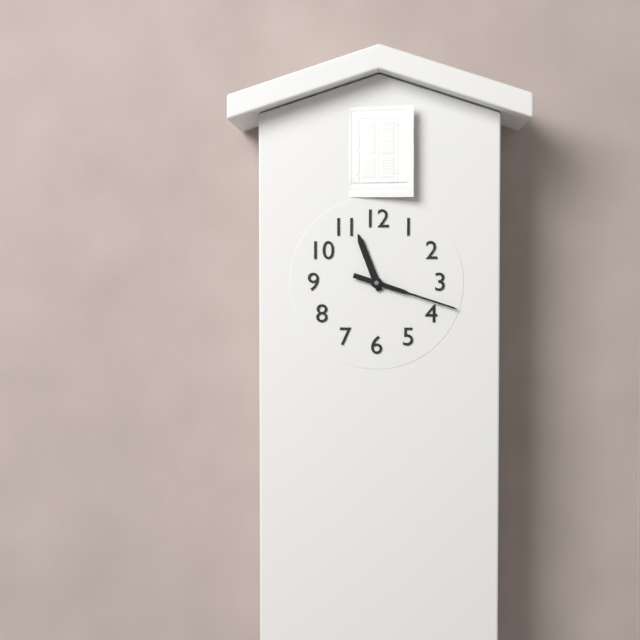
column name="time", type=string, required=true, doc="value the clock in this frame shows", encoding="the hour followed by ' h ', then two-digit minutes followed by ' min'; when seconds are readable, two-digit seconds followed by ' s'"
11 h 18 min
